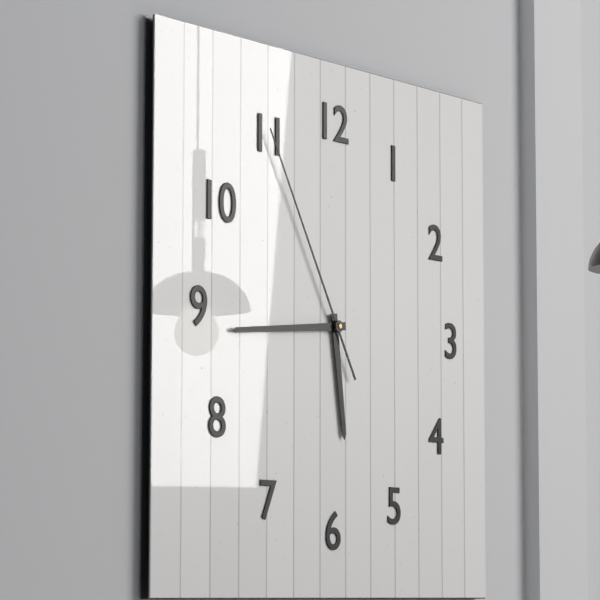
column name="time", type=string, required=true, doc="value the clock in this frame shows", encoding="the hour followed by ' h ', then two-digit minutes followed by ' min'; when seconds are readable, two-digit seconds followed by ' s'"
5 h 44 min 55 s
